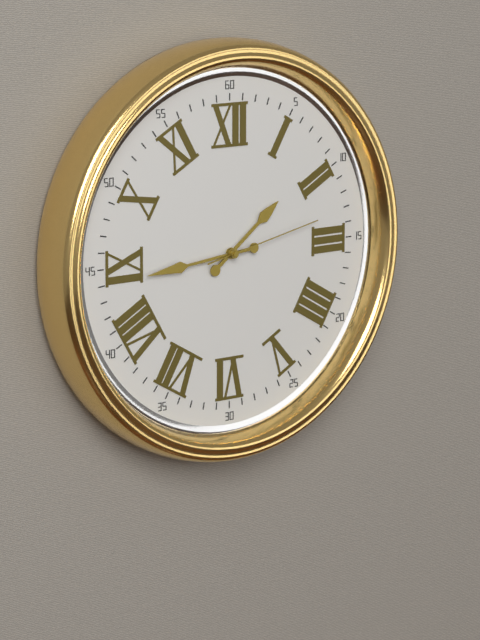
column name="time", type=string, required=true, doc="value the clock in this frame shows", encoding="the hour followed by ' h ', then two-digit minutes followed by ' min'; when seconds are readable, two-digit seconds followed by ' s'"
1 h 44 min 13 s
